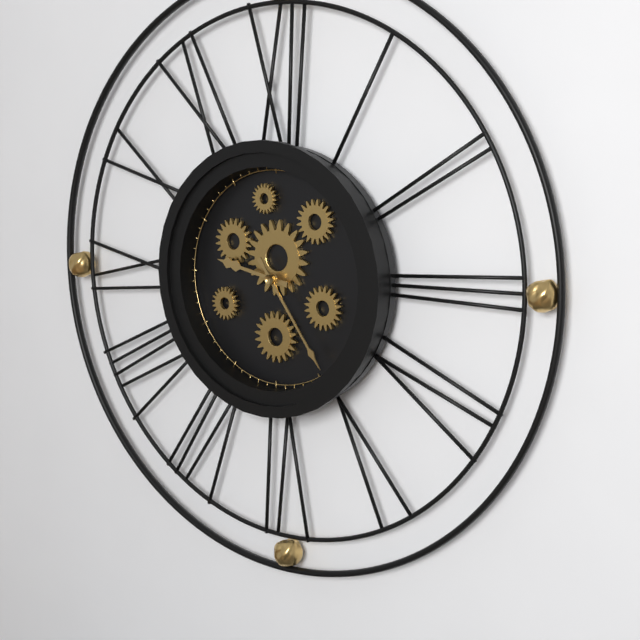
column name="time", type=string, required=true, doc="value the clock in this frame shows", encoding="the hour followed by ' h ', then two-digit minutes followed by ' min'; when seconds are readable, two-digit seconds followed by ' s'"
9 h 24 min
